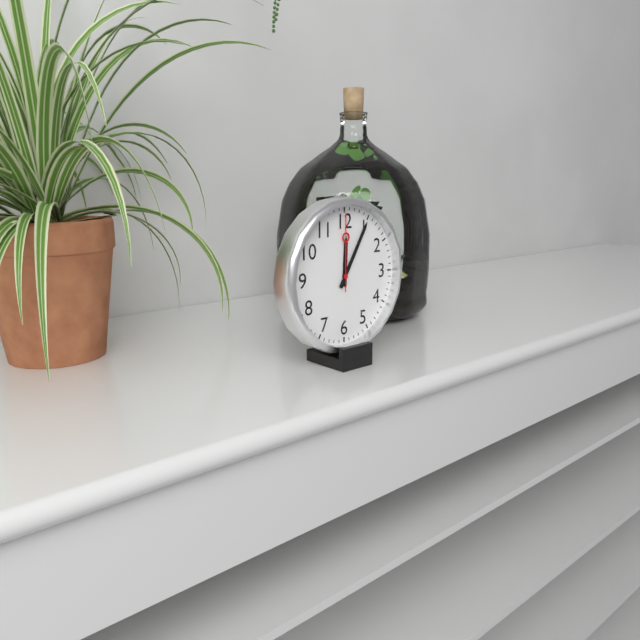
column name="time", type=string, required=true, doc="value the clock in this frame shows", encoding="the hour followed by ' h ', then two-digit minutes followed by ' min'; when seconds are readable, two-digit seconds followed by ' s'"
12 h 05 min 00 s
